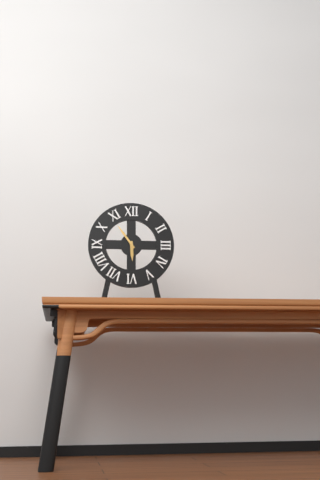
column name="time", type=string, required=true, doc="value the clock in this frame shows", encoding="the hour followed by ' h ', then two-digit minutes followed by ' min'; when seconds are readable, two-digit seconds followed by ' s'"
5 h 54 min
